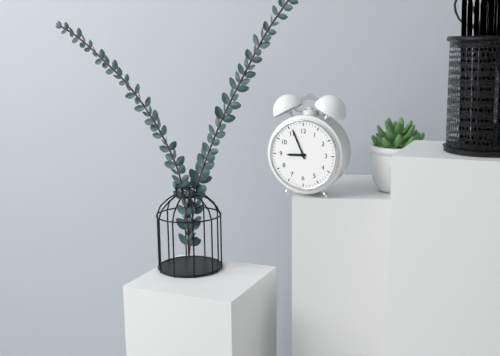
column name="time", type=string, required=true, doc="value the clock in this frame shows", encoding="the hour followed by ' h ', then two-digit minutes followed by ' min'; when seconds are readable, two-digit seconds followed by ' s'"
8 h 56 min
